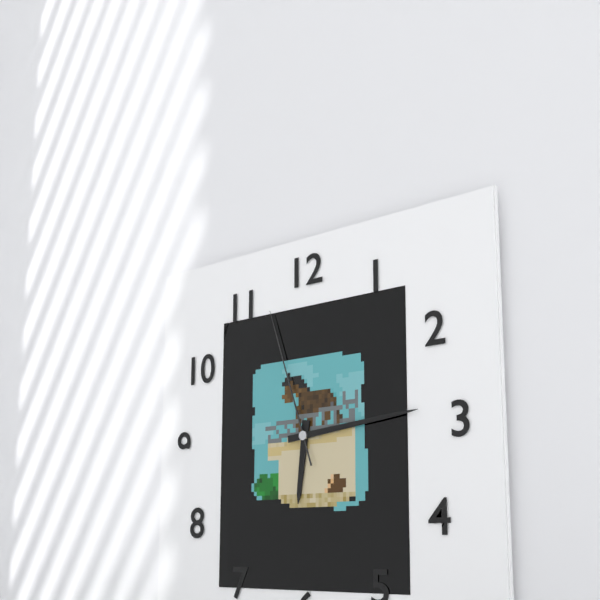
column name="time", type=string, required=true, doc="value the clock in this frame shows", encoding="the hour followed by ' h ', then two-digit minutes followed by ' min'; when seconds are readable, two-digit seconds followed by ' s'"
6 h 14 min 57 s
